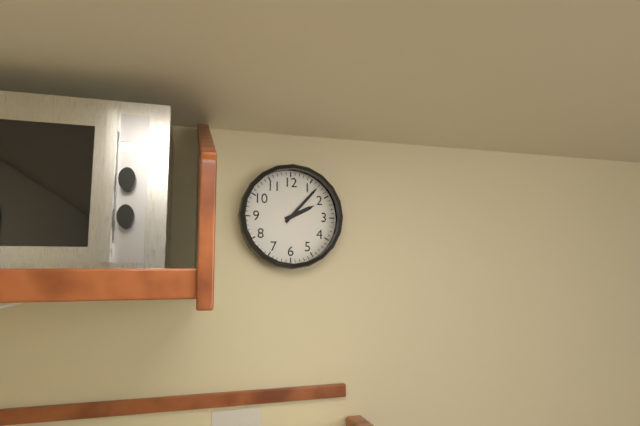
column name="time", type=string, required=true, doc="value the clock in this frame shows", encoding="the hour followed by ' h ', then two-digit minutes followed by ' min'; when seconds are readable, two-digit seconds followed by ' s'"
2 h 07 min
